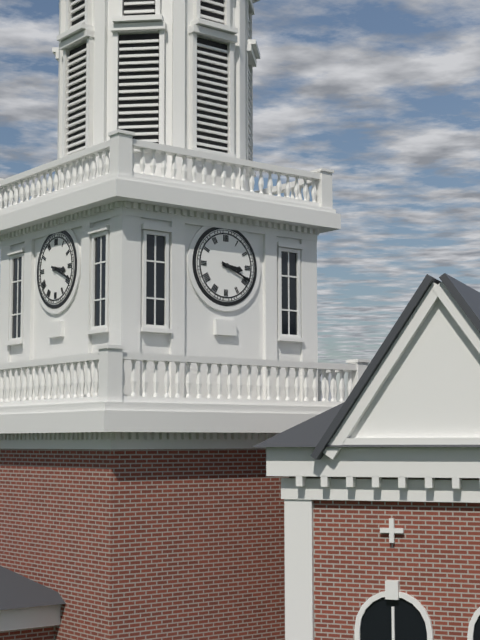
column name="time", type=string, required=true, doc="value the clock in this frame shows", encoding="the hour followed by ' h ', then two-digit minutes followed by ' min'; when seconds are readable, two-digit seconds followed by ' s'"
3 h 19 min
